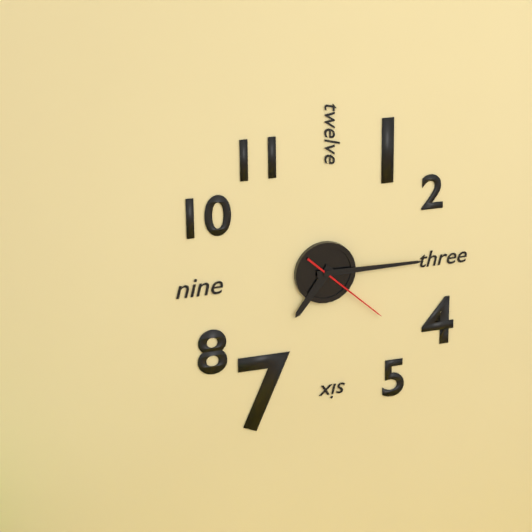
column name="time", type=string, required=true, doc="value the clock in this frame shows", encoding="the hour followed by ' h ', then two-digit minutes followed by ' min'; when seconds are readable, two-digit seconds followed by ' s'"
7 h 15 min 22 s
